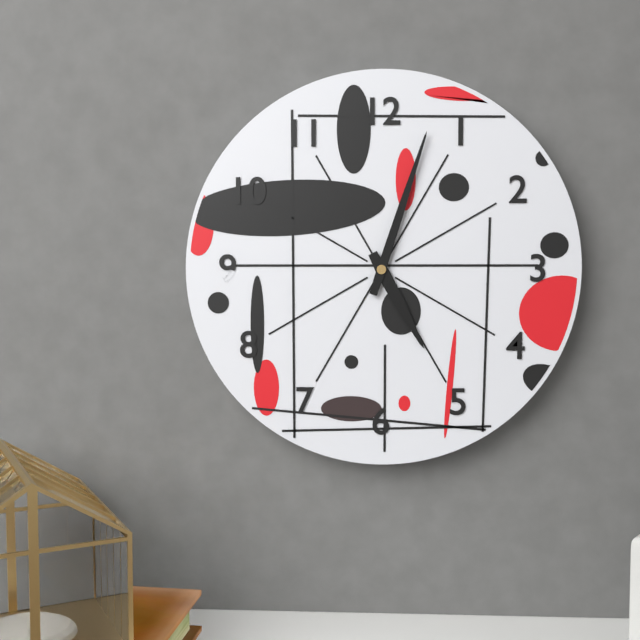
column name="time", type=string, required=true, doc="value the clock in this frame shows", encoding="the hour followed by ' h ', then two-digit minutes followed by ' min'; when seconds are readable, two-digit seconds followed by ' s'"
5 h 03 min
